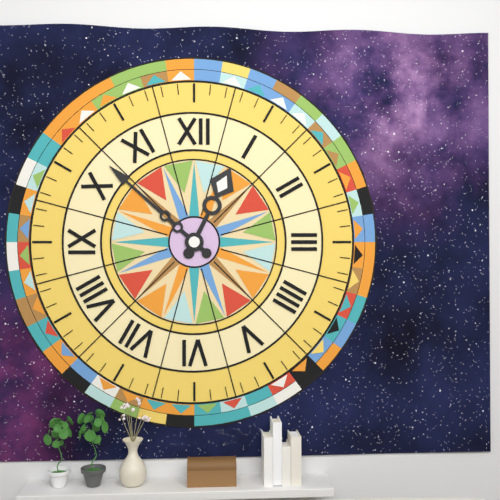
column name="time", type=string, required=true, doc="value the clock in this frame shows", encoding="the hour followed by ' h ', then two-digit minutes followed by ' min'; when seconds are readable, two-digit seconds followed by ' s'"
12 h 52 min
